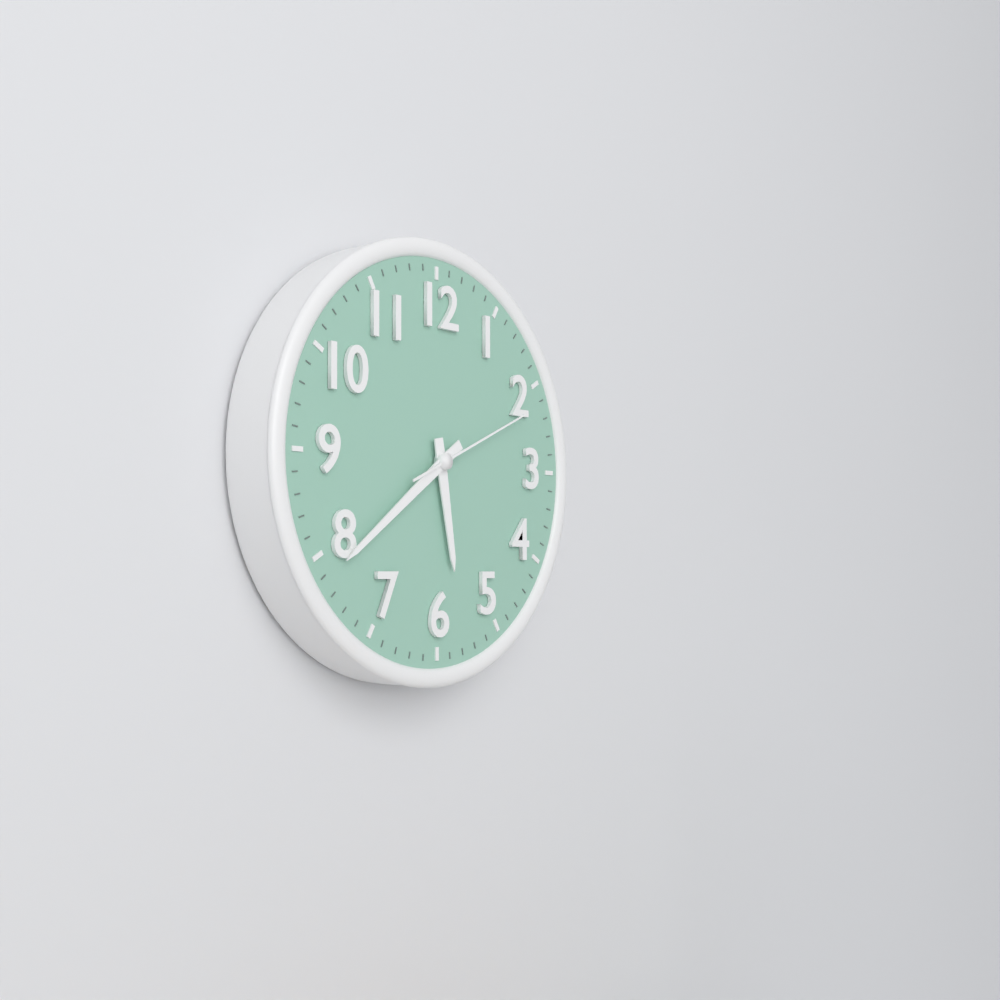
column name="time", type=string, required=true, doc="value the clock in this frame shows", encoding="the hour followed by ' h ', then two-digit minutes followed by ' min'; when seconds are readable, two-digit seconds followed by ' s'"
5 h 39 min 11 s
